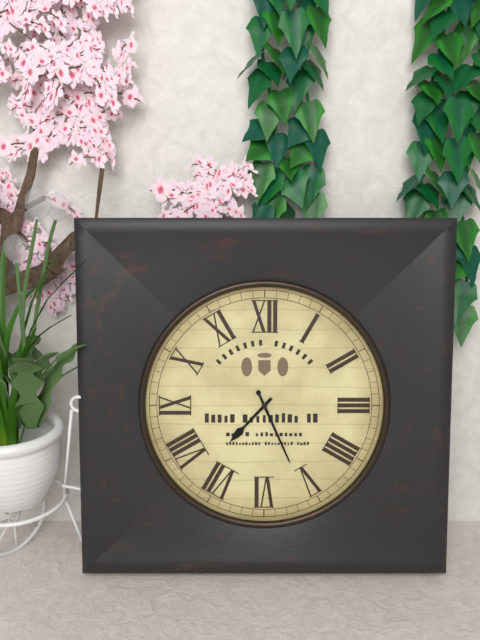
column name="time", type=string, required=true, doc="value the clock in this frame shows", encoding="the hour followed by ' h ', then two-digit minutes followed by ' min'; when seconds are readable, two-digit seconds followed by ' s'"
7 h 26 min
